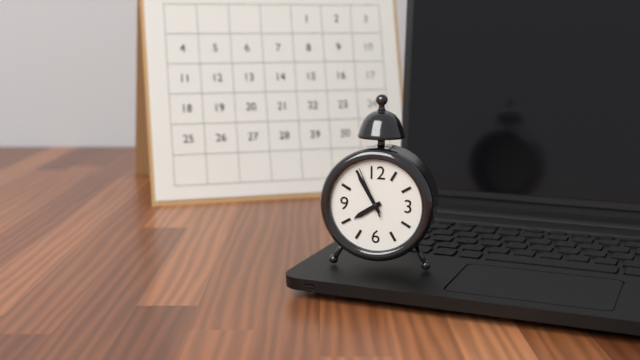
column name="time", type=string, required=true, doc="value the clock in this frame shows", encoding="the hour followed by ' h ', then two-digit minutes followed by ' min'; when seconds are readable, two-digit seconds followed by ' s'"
7 h 55 min
